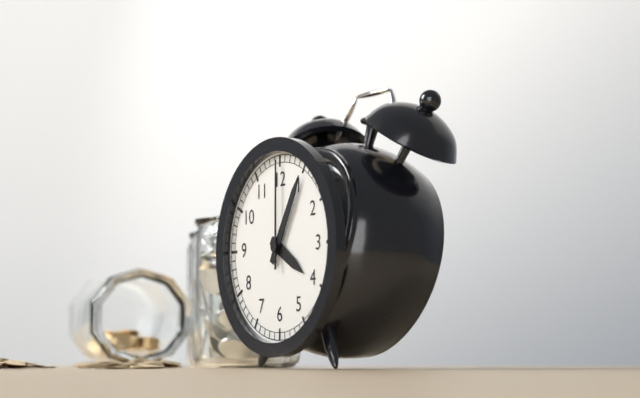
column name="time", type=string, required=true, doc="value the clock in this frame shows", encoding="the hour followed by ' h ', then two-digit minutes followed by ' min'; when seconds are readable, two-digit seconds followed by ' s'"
4 h 05 min 00 s
